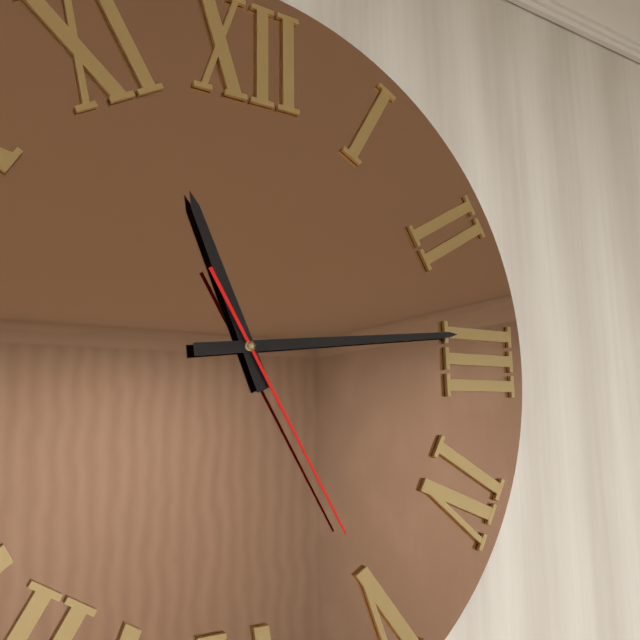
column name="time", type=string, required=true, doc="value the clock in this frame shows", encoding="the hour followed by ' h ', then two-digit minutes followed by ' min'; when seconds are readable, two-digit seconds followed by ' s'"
11 h 14 min 25 s
